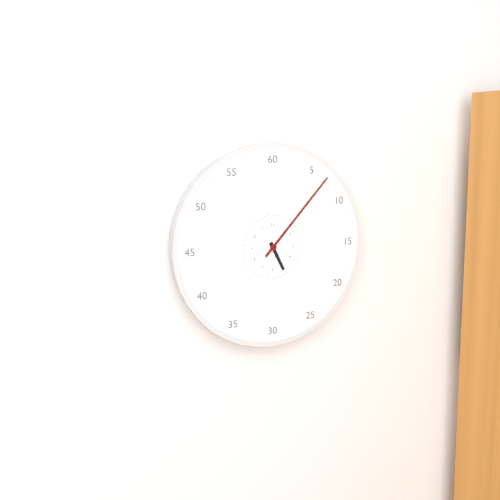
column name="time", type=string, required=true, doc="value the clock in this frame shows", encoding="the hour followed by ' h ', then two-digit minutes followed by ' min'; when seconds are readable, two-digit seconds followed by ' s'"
5 h 07 min
